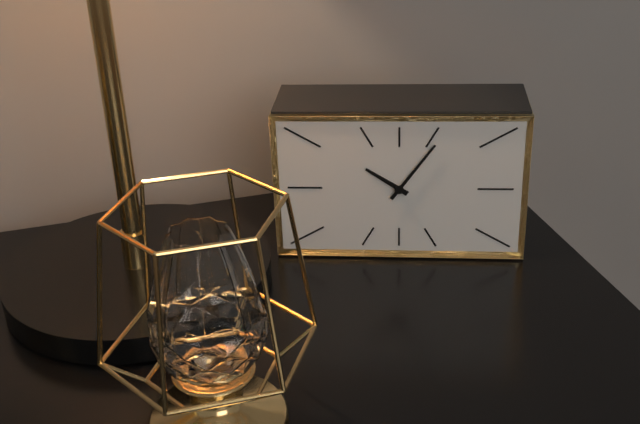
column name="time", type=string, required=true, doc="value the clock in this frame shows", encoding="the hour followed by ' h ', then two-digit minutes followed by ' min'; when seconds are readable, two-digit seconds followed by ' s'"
10 h 06 min
